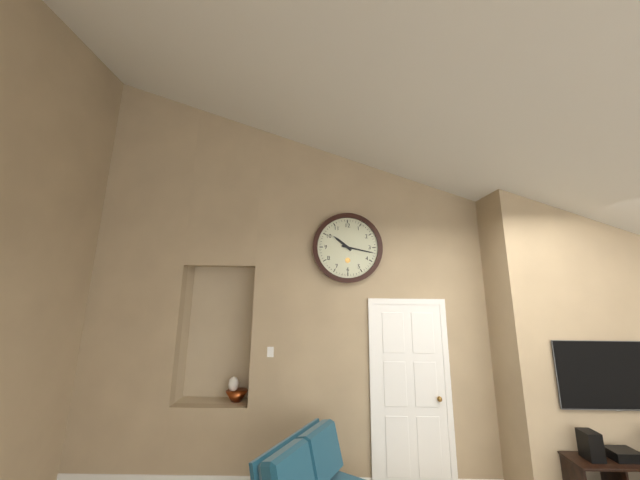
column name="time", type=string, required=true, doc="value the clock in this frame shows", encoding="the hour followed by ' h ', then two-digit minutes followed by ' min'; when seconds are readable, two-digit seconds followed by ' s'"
10 h 17 min
